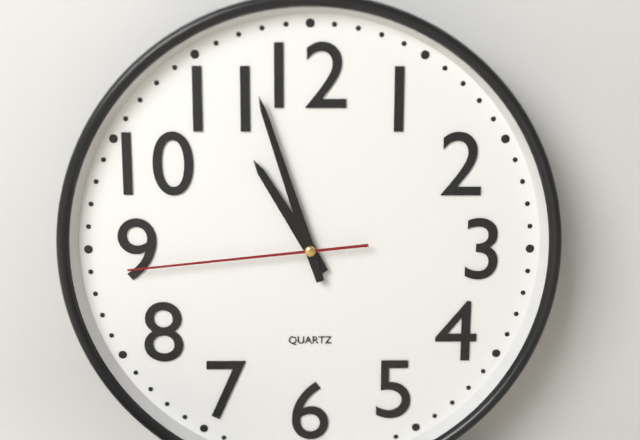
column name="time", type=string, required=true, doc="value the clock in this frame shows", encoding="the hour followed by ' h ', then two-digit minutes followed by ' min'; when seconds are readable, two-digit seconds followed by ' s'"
10 h 57 min 44 s
